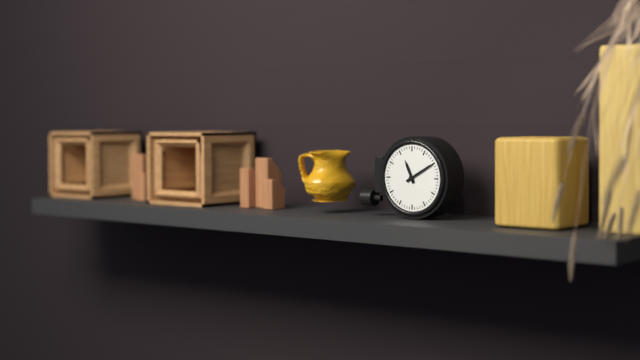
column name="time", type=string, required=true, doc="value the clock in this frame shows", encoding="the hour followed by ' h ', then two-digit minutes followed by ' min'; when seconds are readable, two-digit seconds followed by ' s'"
11 h 10 min
